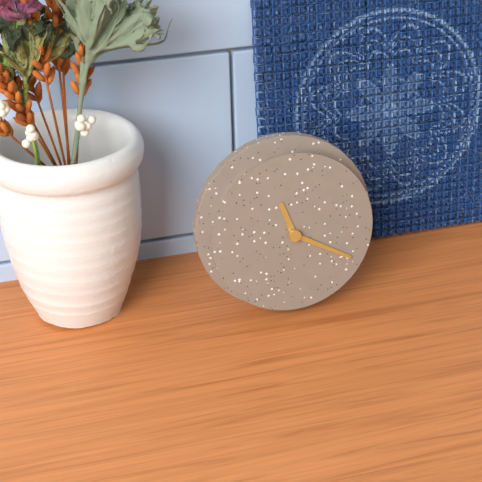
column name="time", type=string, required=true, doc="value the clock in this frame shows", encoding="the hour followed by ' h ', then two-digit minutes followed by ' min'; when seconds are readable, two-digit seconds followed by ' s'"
11 h 20 min
